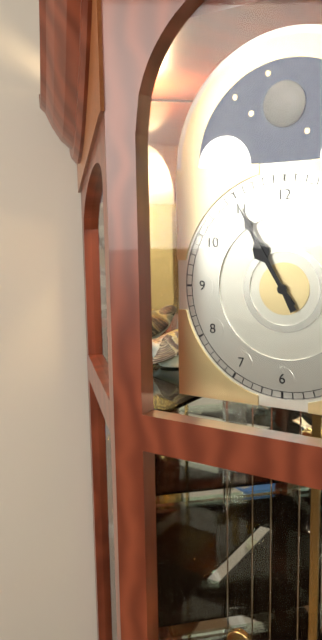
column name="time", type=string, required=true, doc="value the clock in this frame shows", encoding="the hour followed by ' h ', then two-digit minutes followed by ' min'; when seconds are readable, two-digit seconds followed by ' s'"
10 h 55 min
